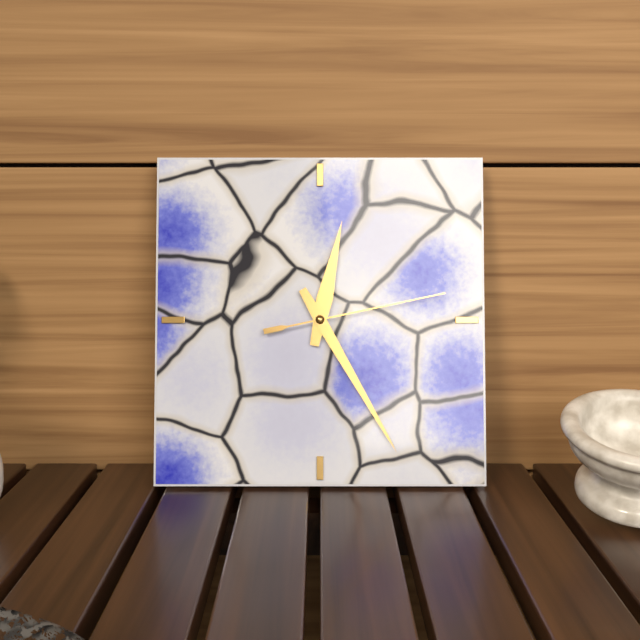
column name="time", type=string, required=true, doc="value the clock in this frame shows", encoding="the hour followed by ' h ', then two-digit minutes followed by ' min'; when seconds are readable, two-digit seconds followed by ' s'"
12 h 25 min 13 s
